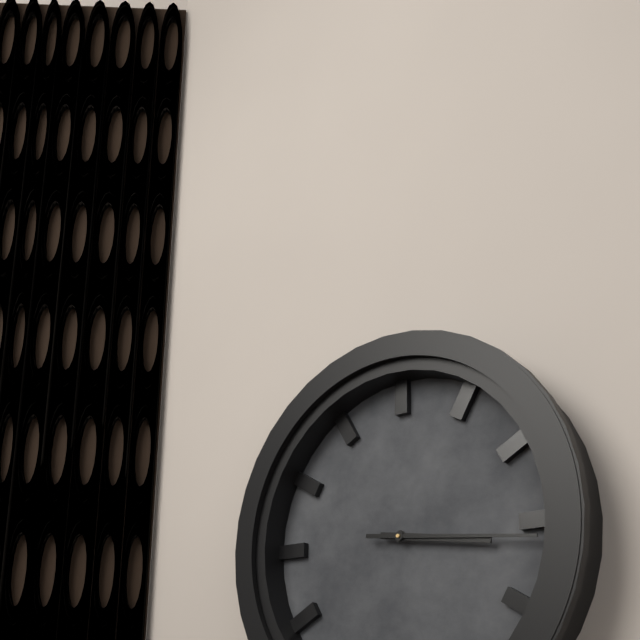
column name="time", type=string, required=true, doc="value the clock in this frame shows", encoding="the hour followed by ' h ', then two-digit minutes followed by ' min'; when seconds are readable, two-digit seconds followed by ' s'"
3 h 16 min
